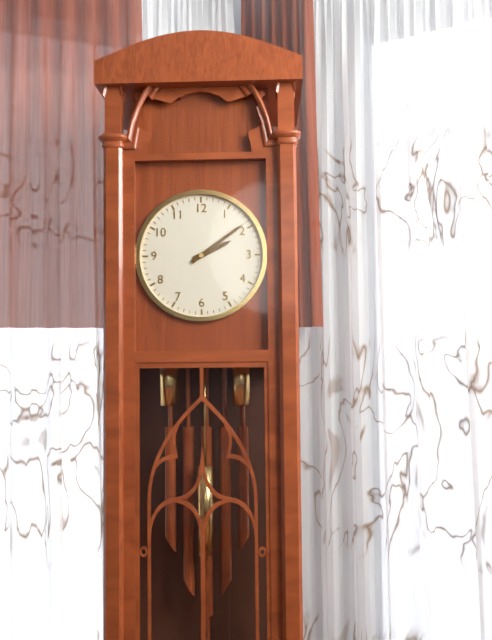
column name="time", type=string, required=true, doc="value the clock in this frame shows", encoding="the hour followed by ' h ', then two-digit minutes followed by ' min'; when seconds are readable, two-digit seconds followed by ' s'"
2 h 09 min
